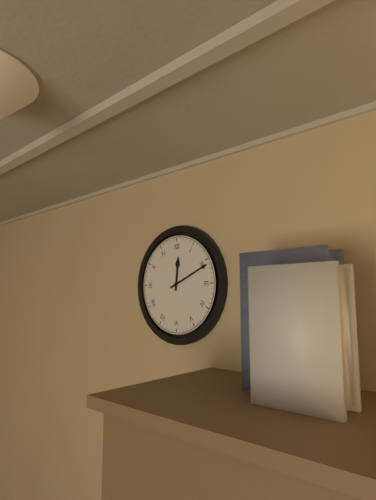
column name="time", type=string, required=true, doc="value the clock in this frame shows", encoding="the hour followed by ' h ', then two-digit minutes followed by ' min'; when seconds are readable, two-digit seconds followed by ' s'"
12 h 11 min
